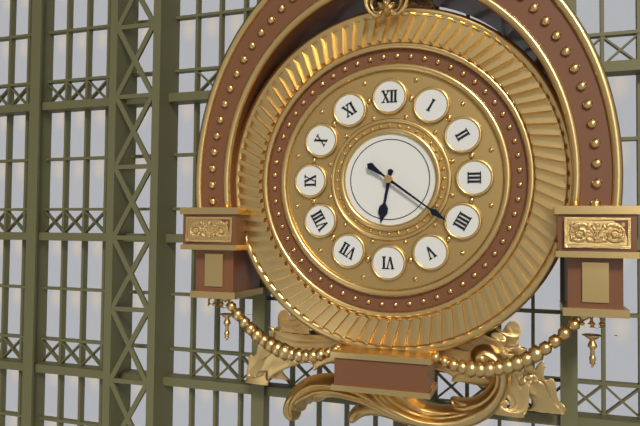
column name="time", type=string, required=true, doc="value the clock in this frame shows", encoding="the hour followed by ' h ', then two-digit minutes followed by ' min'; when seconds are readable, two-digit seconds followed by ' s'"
6 h 21 min
